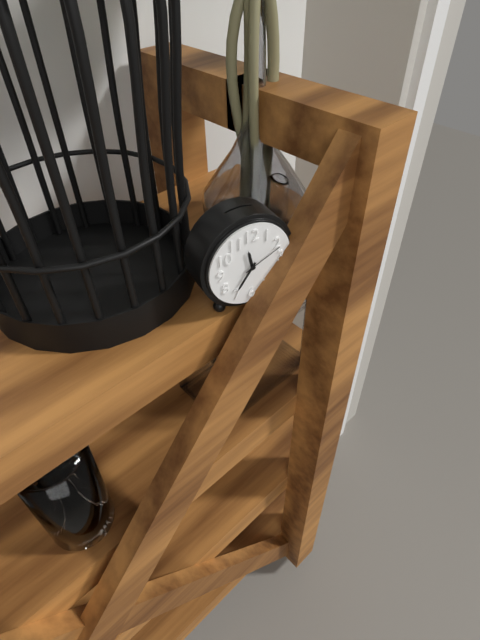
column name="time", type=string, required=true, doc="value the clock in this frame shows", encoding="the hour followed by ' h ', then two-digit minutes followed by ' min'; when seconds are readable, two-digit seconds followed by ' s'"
11 h 36 min
